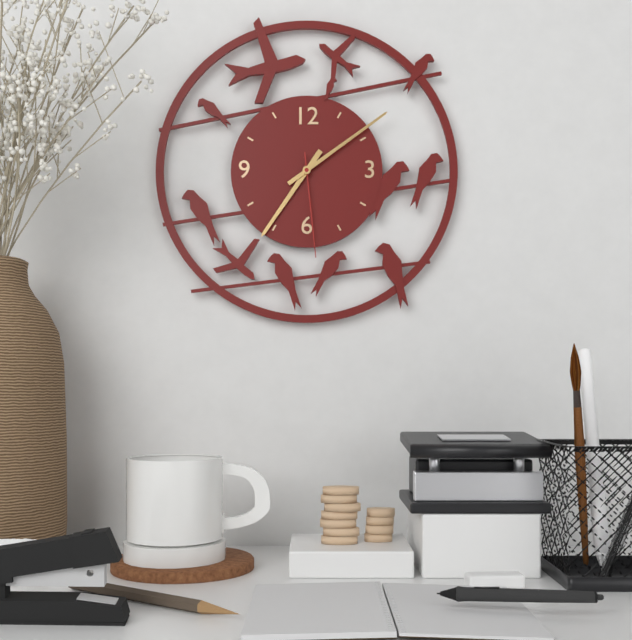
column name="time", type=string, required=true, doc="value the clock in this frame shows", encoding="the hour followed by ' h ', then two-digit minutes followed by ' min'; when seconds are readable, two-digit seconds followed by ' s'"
7 h 09 min 29 s
